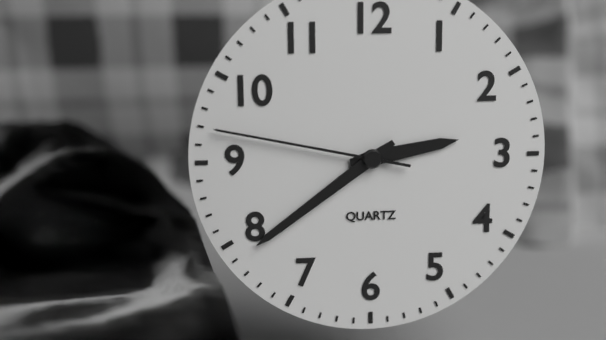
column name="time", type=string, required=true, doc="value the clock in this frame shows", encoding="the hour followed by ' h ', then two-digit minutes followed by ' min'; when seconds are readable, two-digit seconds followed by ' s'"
2 h 39 min 47 s
